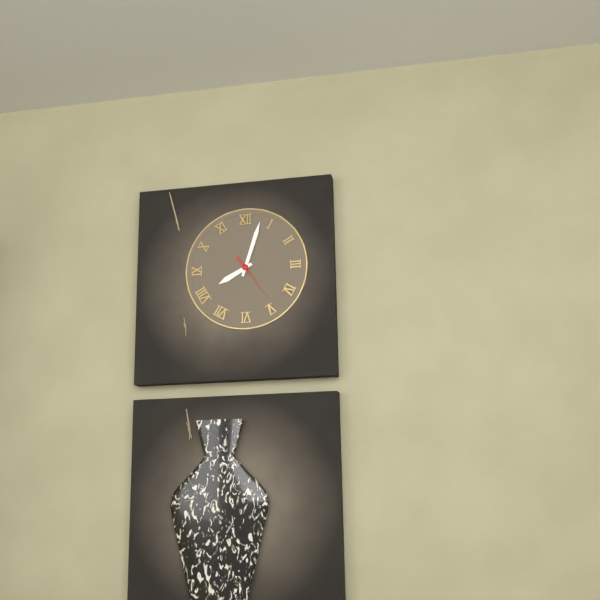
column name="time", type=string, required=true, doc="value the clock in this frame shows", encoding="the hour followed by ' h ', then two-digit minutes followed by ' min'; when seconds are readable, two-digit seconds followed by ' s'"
8 h 03 min
